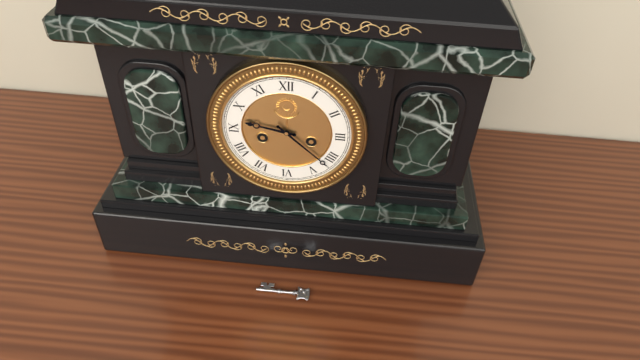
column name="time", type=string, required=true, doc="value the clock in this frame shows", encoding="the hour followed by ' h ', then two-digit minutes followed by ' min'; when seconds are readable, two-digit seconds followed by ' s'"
9 h 22 min
